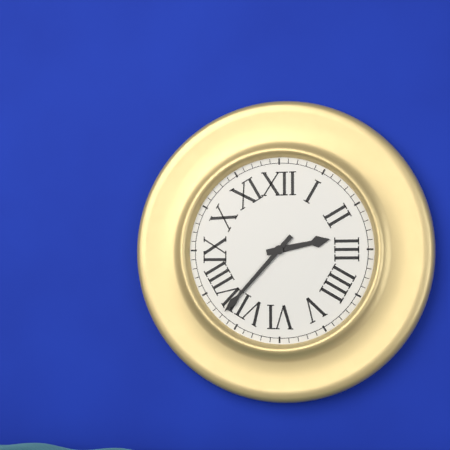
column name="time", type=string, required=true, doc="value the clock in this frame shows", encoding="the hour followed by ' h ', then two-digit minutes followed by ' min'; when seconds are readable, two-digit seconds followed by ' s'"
2 h 37 min
